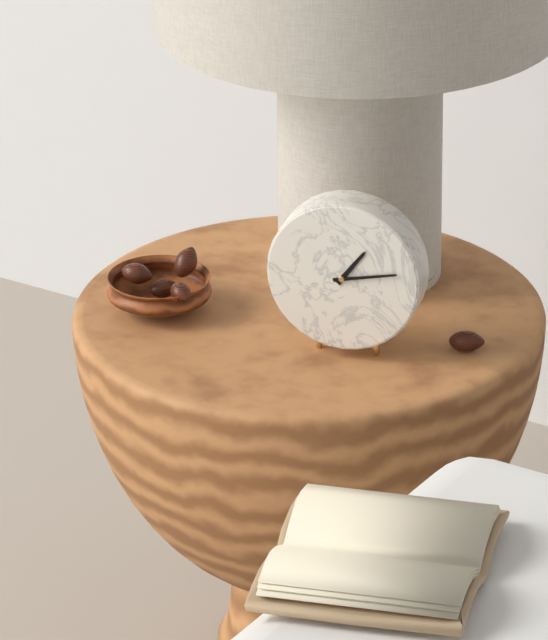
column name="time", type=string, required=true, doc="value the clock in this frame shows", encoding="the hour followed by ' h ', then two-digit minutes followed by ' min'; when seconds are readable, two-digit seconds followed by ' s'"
1 h 13 min
